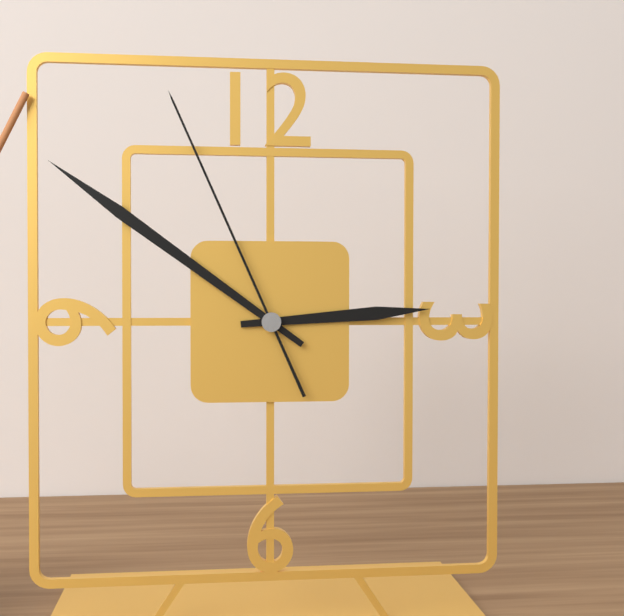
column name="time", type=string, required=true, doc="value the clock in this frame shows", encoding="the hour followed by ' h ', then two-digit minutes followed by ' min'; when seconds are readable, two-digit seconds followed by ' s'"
2 h 51 min 56 s
